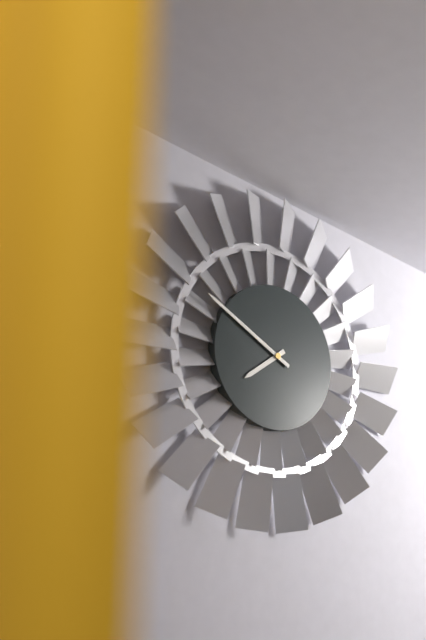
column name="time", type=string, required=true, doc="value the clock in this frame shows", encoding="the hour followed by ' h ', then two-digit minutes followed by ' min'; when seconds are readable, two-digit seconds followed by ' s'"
7 h 50 min
